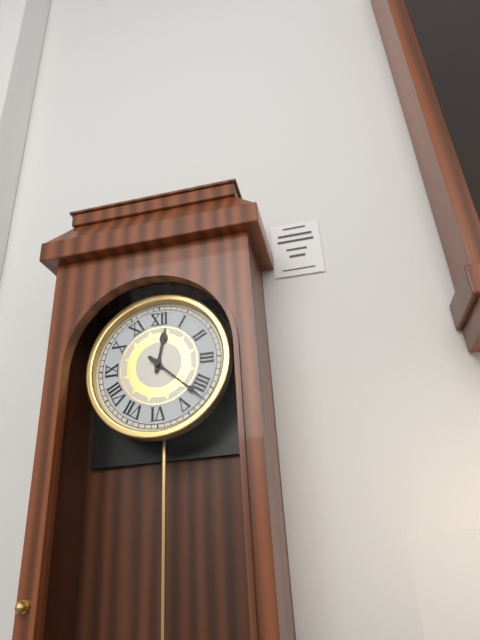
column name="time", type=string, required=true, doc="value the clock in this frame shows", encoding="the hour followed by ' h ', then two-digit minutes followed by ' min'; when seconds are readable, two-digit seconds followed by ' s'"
12 h 22 min
